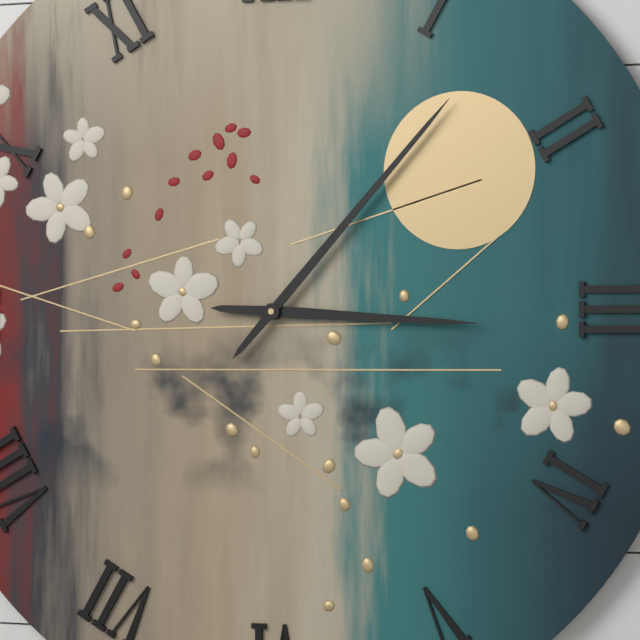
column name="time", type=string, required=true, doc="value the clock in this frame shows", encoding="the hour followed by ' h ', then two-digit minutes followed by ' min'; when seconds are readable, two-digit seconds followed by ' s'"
3 h 07 min
